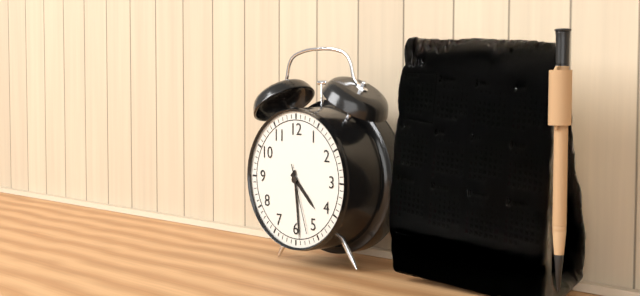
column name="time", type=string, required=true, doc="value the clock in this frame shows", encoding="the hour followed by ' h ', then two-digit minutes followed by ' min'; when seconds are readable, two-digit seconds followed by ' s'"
4 h 29 min 27 s
